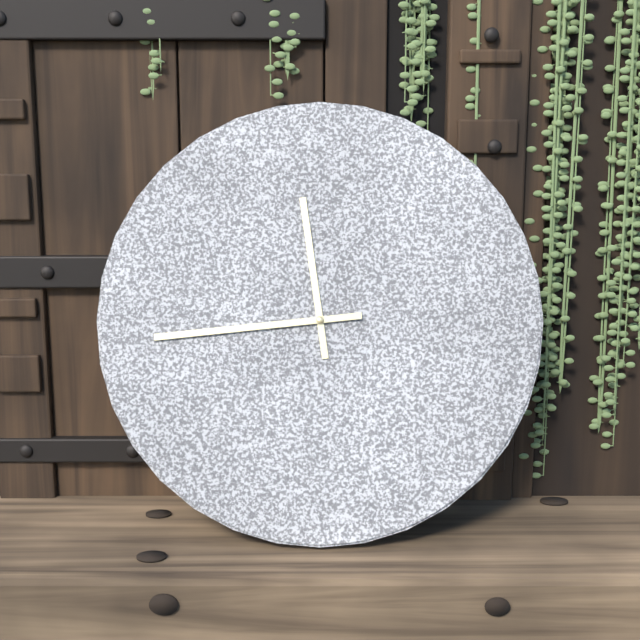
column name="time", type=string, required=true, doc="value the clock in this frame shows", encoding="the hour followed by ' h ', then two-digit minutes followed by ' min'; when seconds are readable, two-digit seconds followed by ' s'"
11 h 44 min
